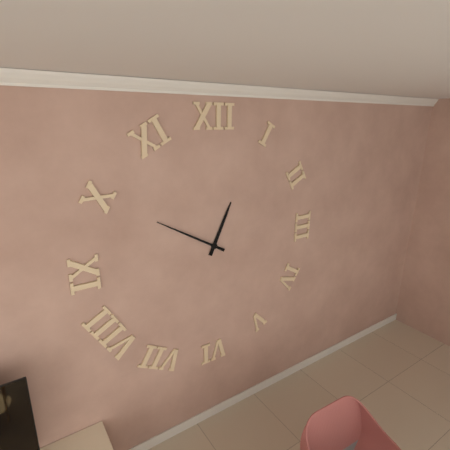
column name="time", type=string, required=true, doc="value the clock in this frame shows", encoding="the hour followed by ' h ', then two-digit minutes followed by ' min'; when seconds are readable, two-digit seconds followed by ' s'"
12 h 50 min
